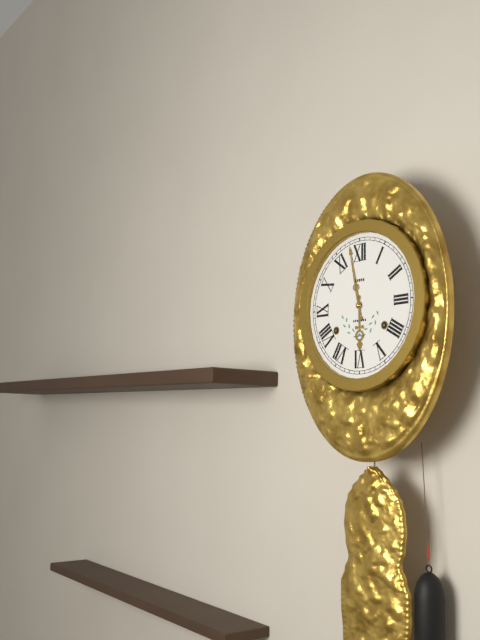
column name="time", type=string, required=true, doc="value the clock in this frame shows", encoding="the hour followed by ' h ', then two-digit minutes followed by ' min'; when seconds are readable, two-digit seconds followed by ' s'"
5 h 58 min
